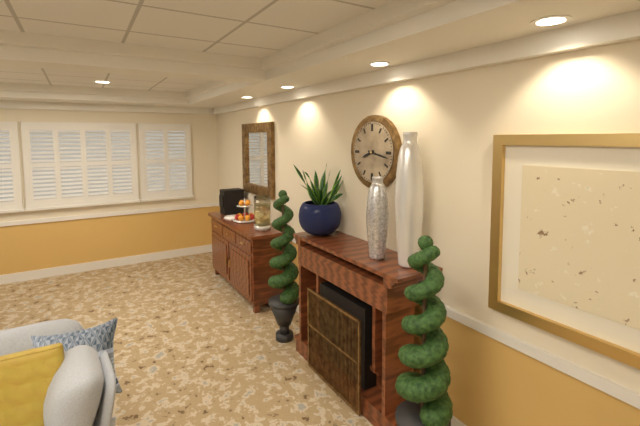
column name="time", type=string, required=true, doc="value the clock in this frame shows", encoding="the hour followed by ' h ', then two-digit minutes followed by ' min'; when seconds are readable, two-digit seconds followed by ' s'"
8 h 17 min
